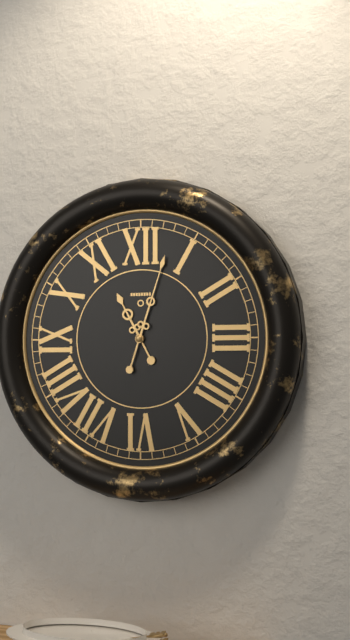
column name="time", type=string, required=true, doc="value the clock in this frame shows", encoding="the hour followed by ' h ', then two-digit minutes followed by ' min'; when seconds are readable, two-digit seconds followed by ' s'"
11 h 03 min
